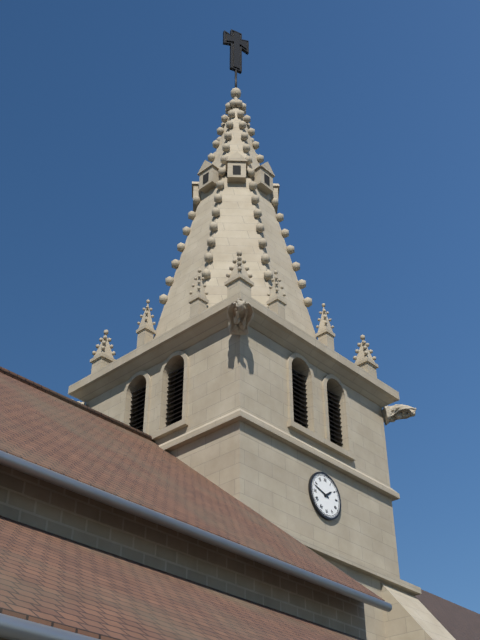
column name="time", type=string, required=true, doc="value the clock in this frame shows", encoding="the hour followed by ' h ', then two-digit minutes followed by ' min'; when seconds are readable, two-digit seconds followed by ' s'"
1 h 48 min
